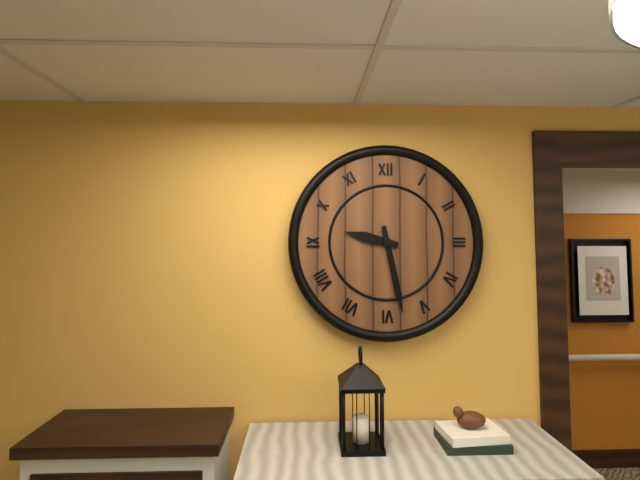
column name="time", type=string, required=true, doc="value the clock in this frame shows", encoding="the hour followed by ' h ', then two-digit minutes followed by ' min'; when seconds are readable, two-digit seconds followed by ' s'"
9 h 28 min
